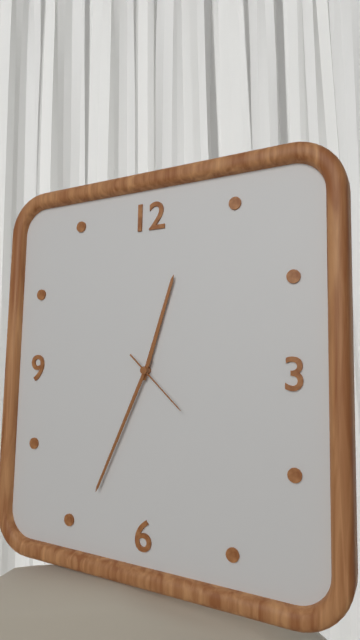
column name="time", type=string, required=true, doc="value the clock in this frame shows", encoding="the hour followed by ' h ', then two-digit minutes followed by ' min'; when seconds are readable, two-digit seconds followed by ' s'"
12 h 34 min 22 s
